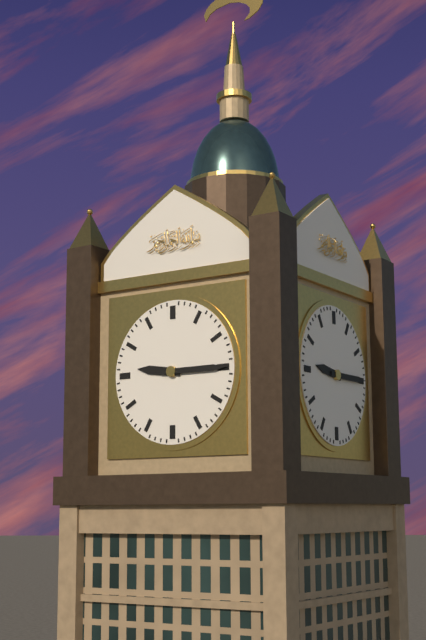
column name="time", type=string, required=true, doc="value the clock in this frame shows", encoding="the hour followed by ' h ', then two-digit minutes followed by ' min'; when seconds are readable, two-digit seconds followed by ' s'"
9 h 15 min
